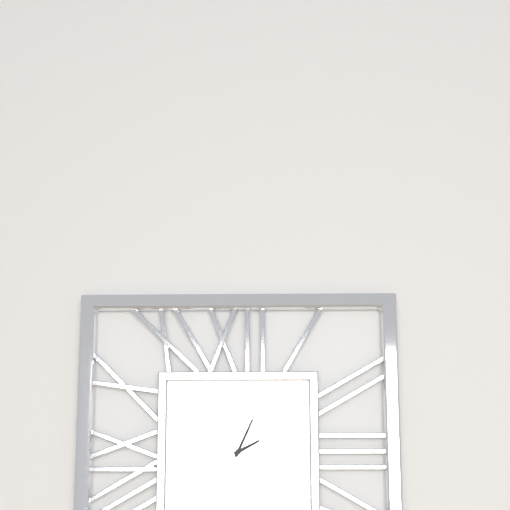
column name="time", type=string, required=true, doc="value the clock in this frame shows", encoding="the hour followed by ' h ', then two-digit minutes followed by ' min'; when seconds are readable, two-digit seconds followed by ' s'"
2 h 04 min
